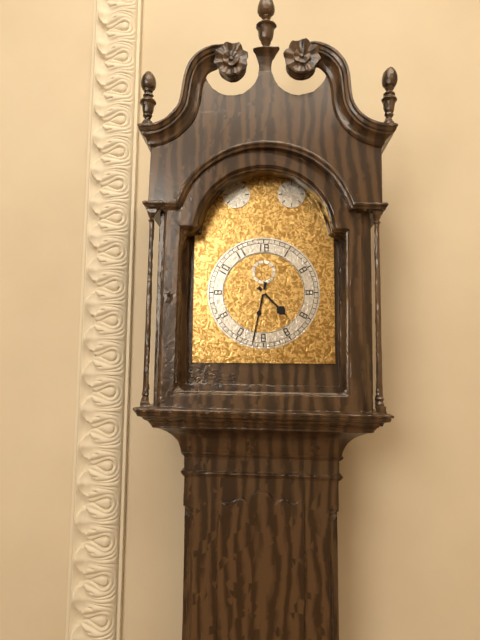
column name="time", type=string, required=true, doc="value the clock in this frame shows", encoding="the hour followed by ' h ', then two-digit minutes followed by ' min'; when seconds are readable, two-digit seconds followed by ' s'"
4 h 32 min
